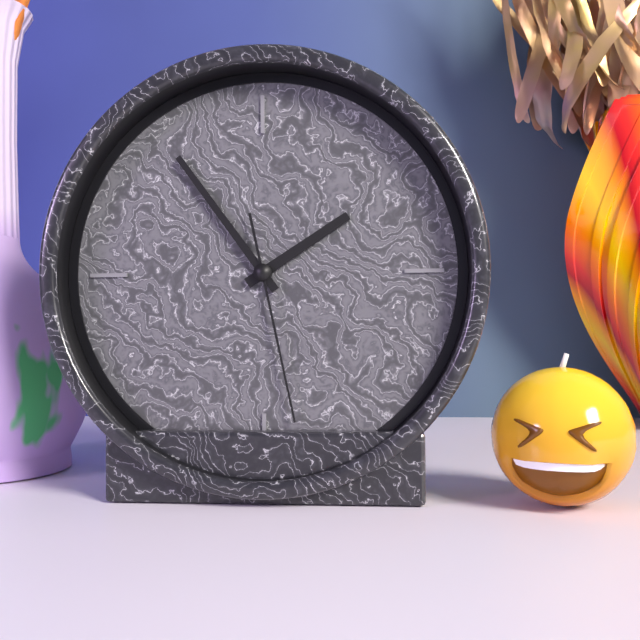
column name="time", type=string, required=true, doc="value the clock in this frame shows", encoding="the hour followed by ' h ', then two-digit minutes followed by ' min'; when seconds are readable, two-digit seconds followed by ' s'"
1 h 54 min 28 s
